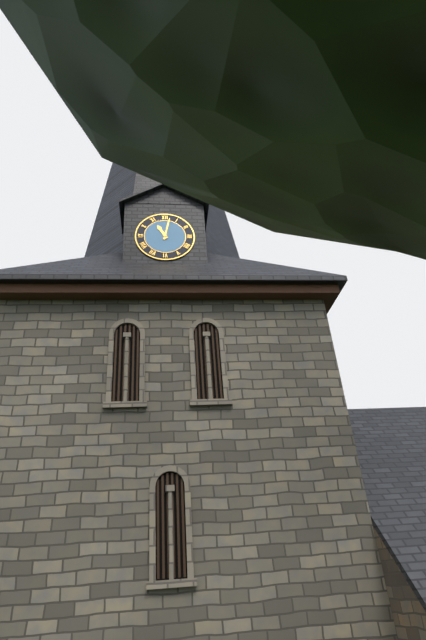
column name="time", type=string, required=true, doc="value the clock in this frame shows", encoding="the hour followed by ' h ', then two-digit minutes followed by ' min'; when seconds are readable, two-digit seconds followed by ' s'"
11 h 02 min
